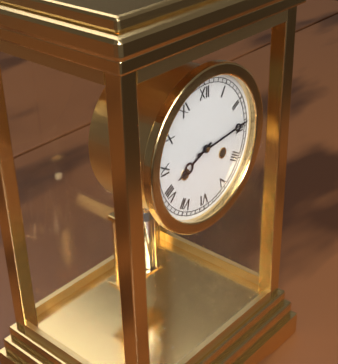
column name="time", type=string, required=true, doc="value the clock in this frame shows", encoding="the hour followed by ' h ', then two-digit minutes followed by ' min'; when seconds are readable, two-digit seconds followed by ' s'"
8 h 14 min
